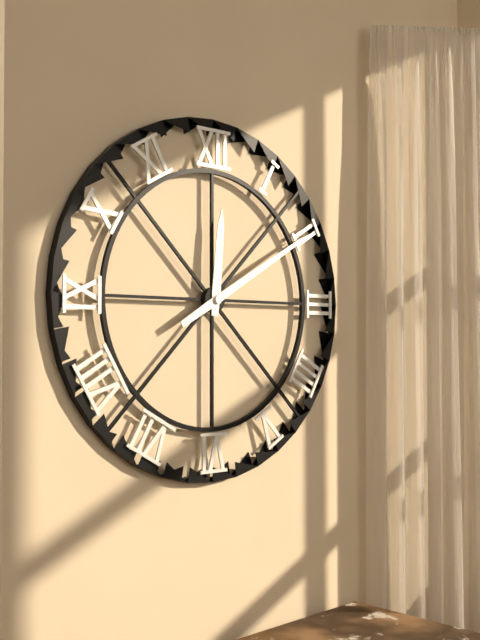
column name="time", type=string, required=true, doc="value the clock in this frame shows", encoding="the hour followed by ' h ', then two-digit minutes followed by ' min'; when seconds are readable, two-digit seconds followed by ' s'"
12 h 10 min
